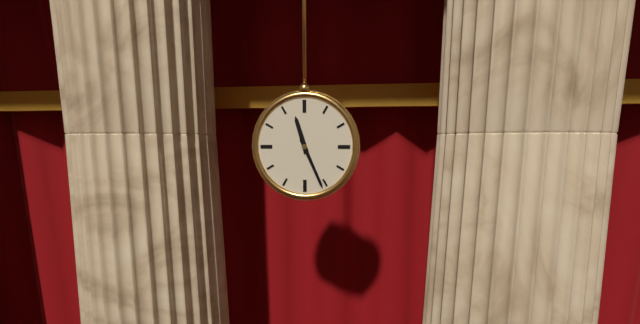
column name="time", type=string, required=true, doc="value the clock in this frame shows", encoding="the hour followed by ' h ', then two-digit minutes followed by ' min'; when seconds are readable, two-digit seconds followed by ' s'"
11 h 26 min
